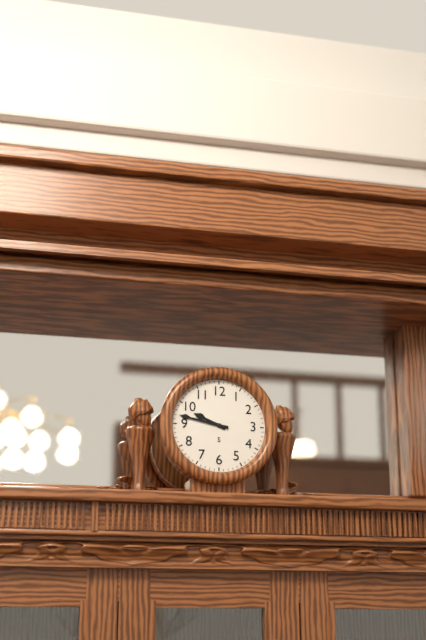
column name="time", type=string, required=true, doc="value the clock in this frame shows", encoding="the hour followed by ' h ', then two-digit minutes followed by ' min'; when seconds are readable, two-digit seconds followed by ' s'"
9 h 47 min
